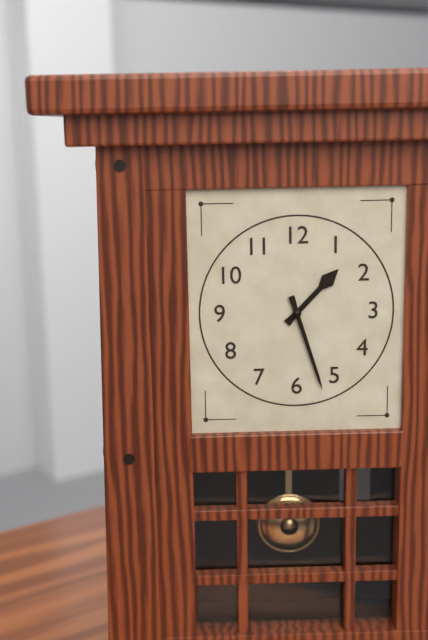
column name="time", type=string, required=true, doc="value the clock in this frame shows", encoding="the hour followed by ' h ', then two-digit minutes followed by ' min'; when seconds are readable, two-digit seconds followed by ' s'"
1 h 27 min
